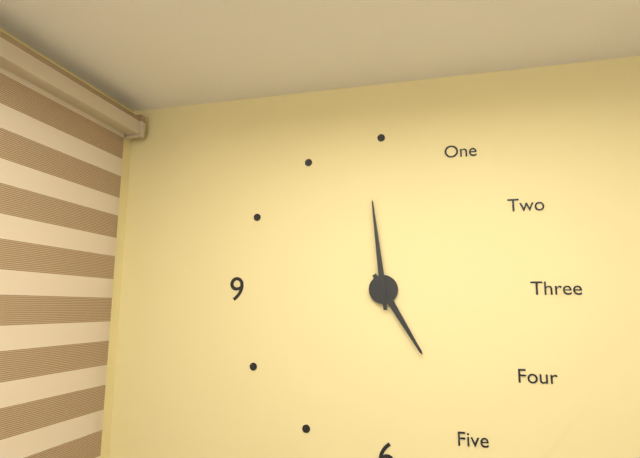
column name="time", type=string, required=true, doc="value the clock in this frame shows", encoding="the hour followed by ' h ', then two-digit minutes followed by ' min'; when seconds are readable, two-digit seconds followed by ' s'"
4 h 59 min
